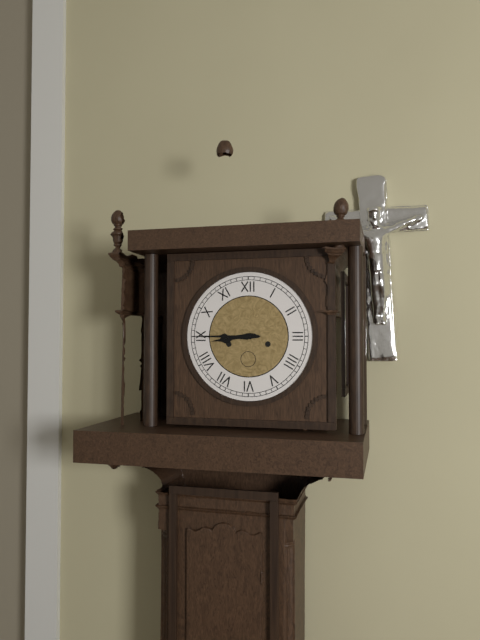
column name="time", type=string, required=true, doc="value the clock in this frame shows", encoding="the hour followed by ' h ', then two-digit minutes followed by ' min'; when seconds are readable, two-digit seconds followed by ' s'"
8 h 45 min
